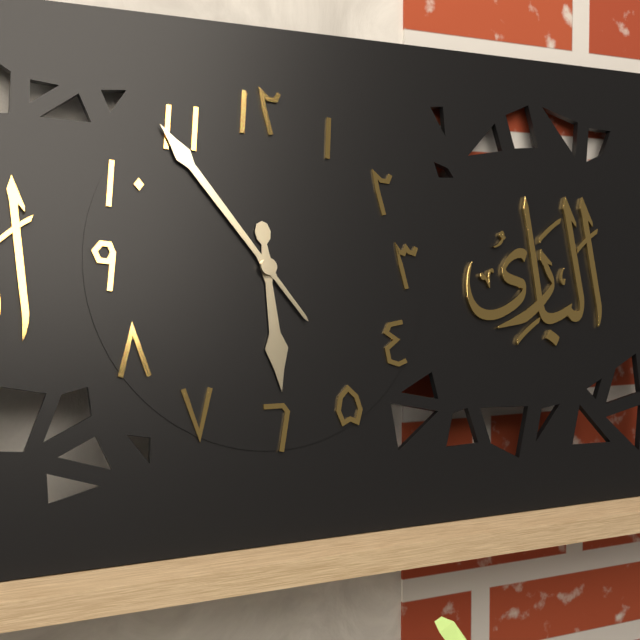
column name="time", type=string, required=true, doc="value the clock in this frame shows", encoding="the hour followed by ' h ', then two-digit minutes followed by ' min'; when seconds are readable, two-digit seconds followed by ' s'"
5 h 54 min
